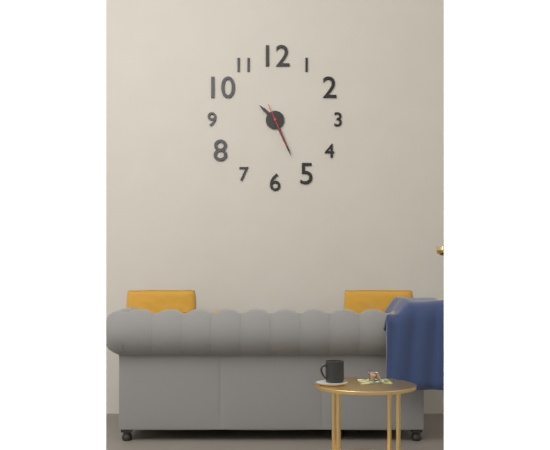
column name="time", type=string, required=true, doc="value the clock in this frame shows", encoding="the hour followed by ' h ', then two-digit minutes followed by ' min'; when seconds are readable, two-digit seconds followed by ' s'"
10 h 26 min
